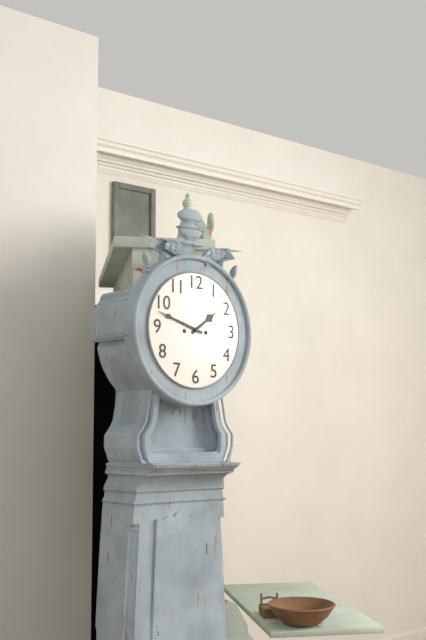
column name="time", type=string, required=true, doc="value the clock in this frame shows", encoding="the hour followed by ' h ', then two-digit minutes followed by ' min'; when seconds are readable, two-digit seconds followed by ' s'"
1 h 48 min
